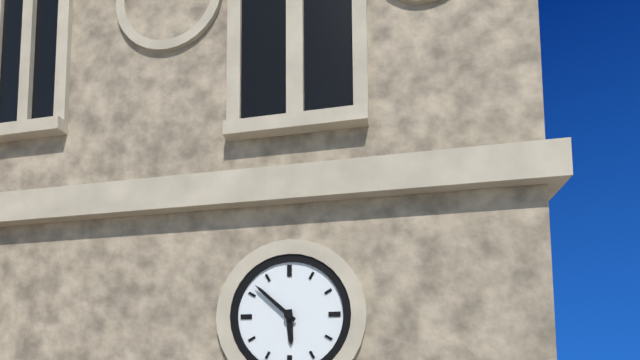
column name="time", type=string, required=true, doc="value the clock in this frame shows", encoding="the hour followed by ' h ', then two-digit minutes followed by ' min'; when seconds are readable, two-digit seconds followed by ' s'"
5 h 52 min
